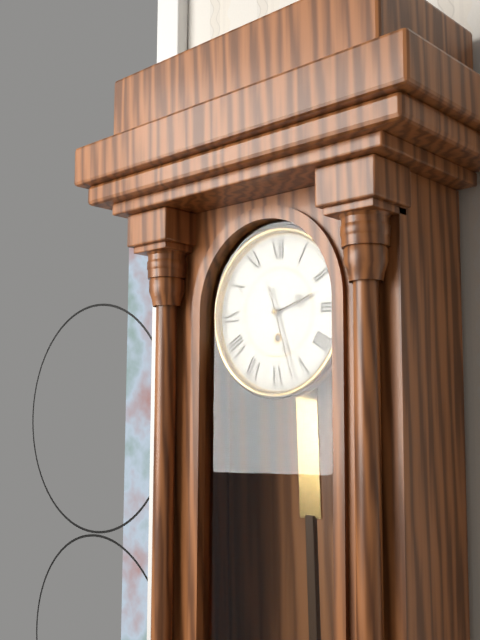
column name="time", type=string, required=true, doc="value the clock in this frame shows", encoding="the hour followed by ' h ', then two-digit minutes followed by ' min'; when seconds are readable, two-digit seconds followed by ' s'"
2 h 27 min
